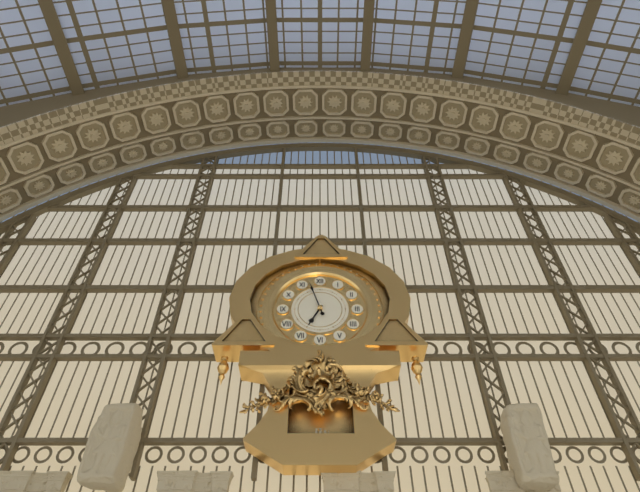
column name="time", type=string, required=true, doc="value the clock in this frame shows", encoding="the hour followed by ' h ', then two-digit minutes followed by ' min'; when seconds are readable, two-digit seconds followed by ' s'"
6 h 57 min
